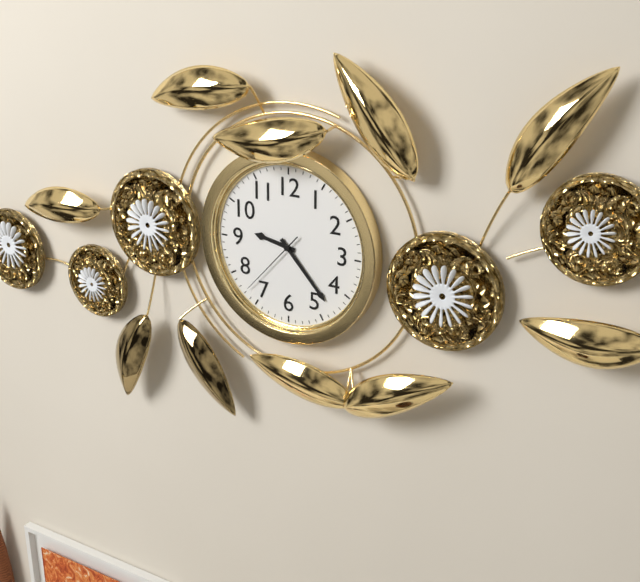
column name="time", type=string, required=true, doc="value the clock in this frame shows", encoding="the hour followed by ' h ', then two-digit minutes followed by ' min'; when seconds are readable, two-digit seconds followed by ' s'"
9 h 23 min 37 s
